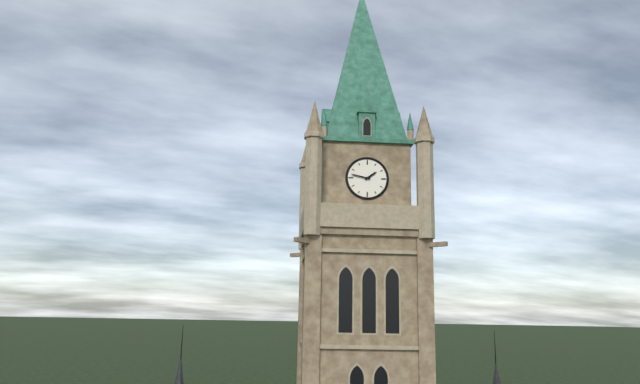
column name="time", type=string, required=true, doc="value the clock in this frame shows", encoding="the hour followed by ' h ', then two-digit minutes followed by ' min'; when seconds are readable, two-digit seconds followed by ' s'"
1 h 47 min
